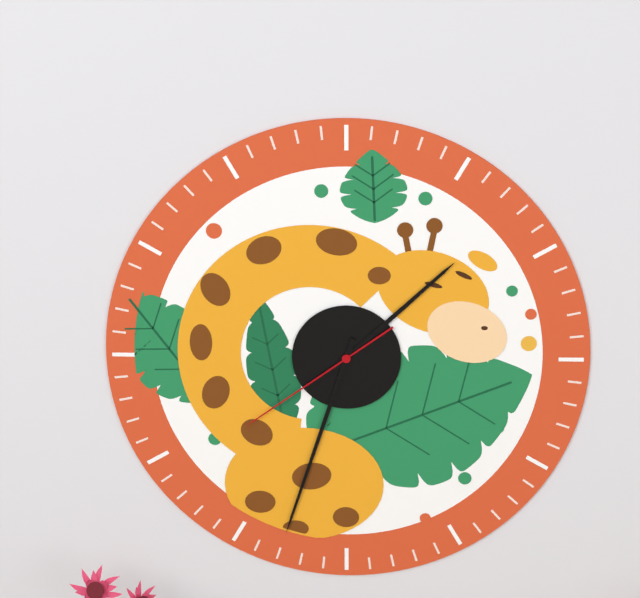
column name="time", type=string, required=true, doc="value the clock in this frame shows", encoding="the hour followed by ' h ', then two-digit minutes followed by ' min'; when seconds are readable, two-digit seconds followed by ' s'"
1 h 33 min 39 s
